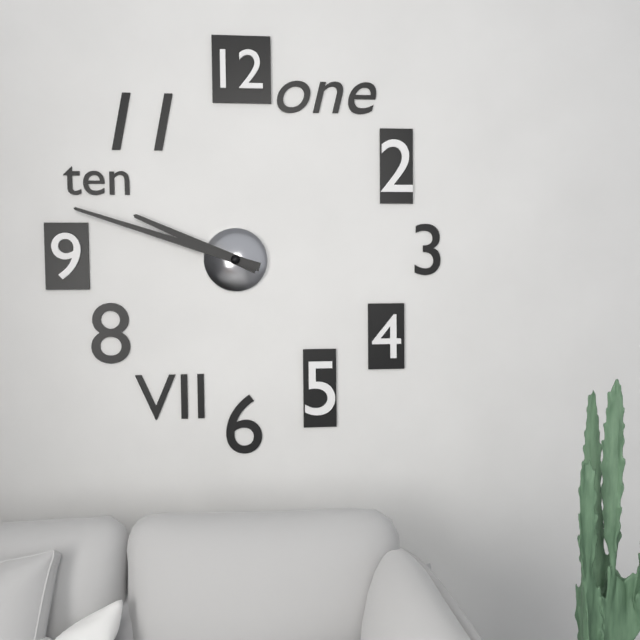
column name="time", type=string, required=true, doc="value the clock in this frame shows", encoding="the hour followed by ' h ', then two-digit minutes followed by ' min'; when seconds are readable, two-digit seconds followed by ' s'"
9 h 48 min
